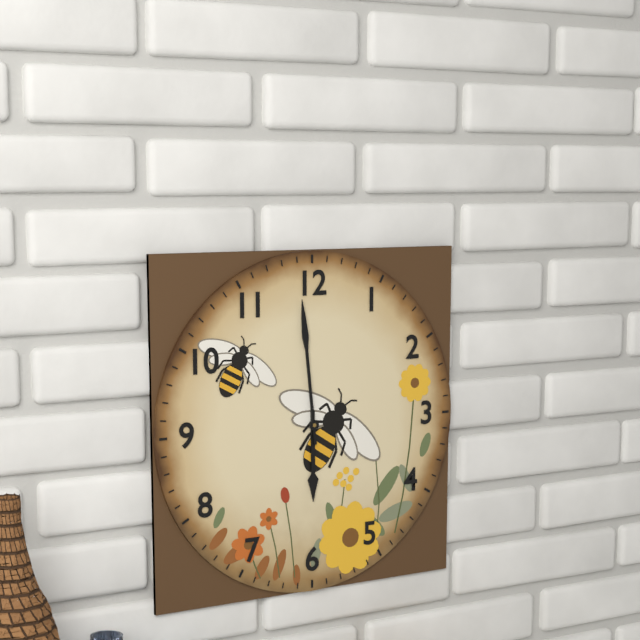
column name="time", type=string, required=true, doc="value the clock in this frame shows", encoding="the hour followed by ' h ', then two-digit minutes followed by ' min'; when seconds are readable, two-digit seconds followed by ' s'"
5 h 59 min
